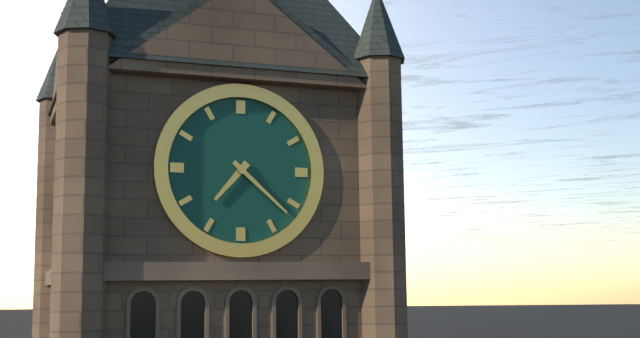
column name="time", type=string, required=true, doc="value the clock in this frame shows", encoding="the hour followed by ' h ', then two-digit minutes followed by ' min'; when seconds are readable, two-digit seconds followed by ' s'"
7 h 22 min
